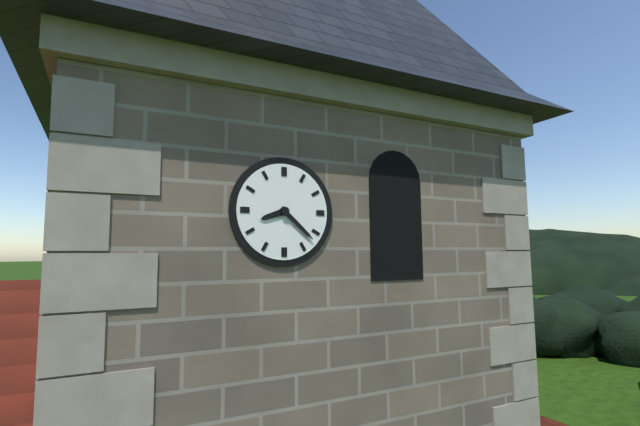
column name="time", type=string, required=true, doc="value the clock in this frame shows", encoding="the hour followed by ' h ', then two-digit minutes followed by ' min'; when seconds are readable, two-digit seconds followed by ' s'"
8 h 22 min
